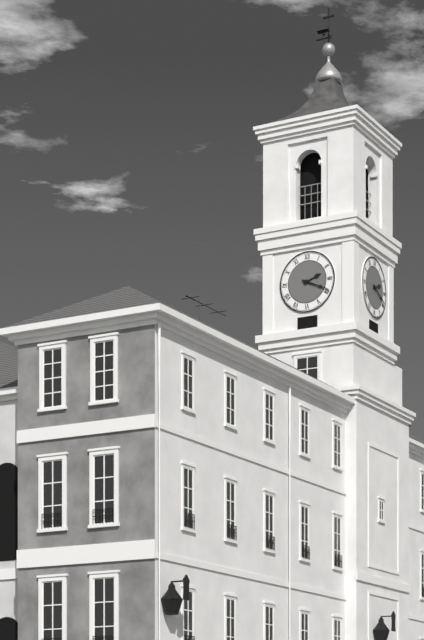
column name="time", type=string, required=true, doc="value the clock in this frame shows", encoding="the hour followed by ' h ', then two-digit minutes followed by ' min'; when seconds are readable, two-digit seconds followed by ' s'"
2 h 19 min
